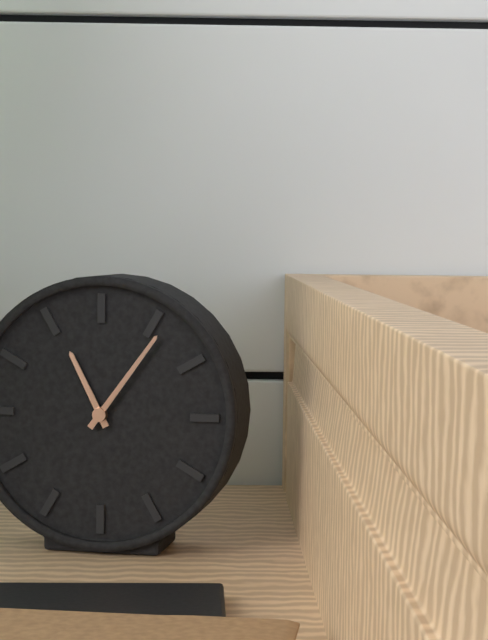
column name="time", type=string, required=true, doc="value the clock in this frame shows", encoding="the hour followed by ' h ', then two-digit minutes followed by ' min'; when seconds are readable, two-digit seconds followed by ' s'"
11 h 06 min
